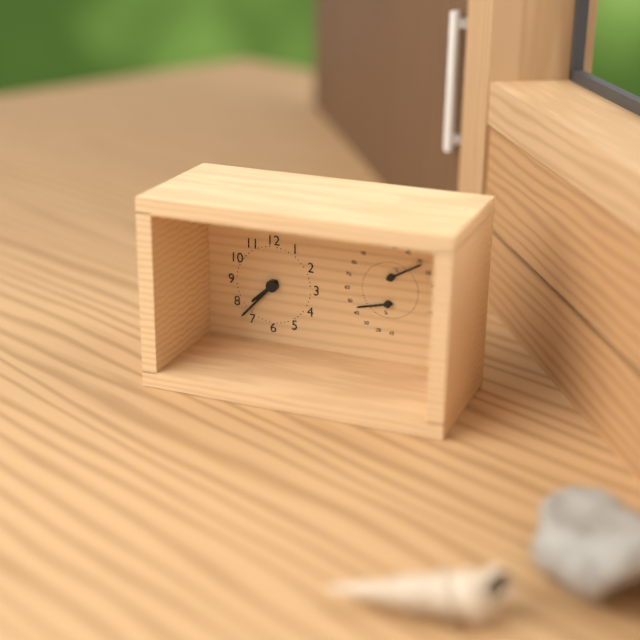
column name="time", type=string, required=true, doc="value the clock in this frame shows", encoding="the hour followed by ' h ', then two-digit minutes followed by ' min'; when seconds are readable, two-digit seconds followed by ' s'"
7 h 37 min
